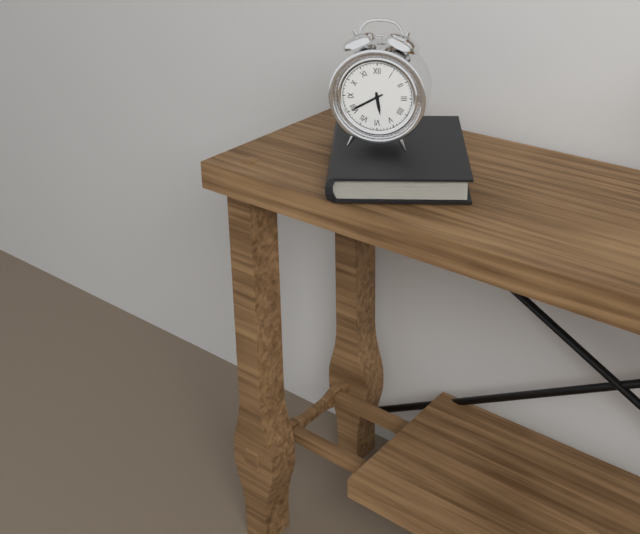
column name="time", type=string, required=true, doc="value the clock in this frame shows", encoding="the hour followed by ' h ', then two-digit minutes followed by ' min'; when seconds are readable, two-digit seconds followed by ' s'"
5 h 40 min
